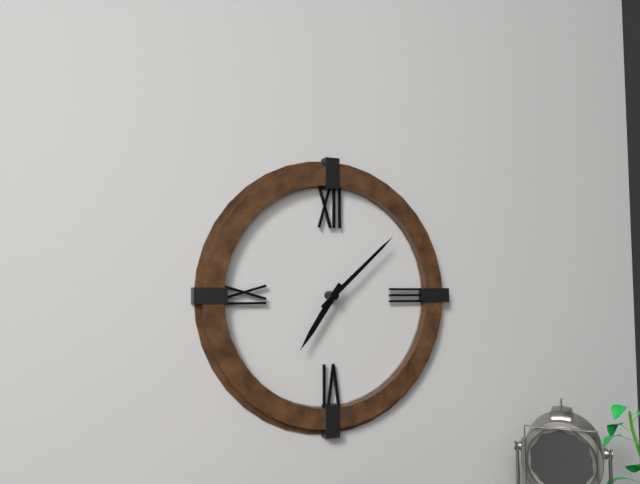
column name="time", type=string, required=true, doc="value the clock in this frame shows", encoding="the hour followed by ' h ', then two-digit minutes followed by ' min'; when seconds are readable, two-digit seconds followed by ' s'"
7 h 08 min
